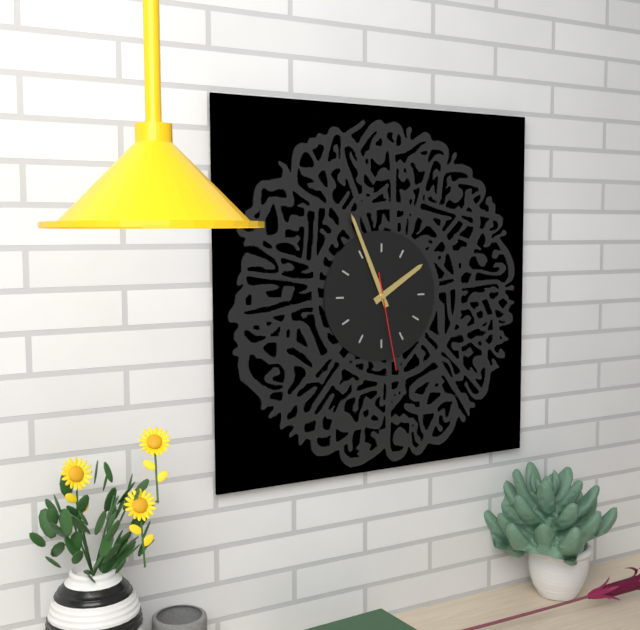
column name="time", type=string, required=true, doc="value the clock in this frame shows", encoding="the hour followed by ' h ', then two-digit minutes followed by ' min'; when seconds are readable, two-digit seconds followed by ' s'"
1 h 56 min 28 s
